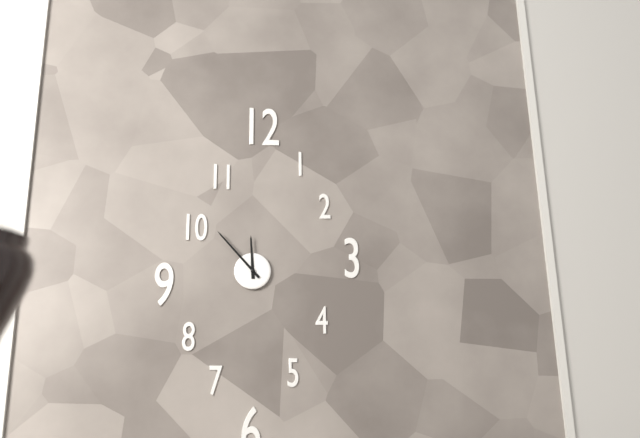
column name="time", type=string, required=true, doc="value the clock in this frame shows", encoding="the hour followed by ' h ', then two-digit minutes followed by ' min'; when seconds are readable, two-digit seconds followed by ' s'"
11 h 53 min
